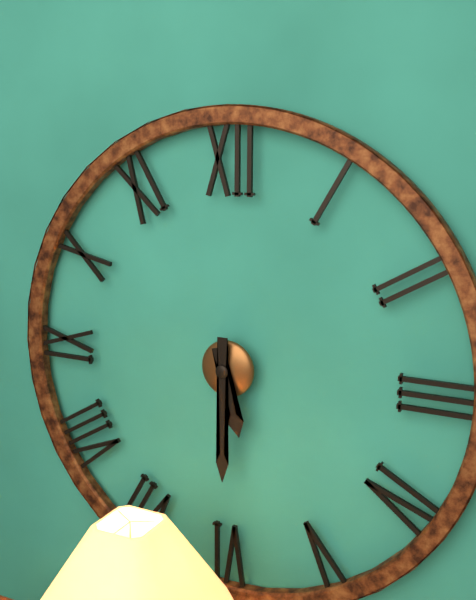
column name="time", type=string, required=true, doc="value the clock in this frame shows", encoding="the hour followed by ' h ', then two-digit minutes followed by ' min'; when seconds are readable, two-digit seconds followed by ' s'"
5 h 30 min
